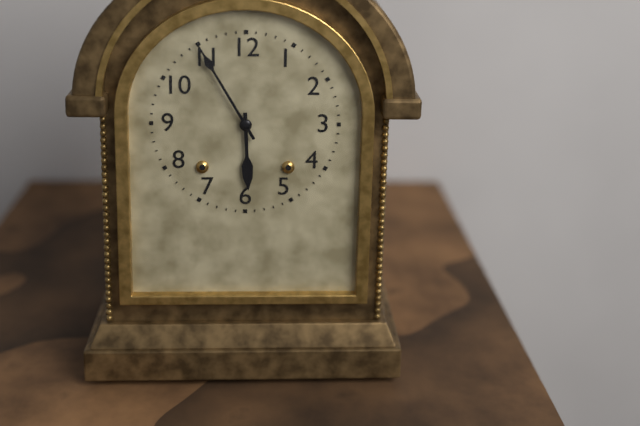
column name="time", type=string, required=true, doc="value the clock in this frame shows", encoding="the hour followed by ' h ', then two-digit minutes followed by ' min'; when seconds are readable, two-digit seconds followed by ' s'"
5 h 55 min
